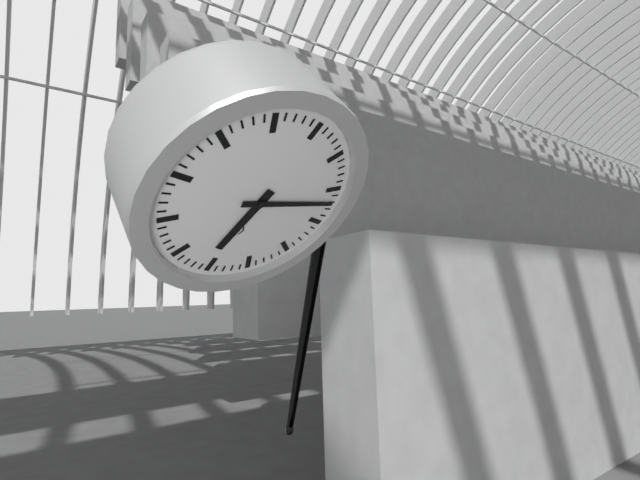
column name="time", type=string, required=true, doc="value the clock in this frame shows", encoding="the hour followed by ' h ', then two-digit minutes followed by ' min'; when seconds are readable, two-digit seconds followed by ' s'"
6 h 12 min
